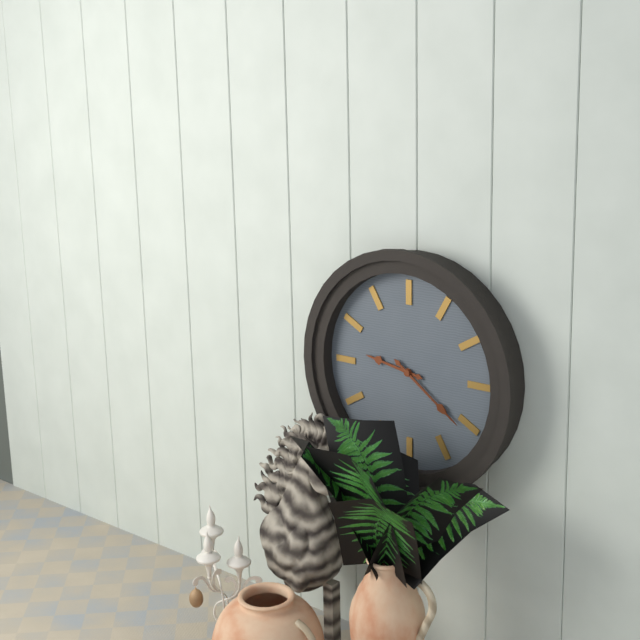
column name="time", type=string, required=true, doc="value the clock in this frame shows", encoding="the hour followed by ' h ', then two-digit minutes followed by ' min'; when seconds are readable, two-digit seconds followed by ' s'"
9 h 21 min
